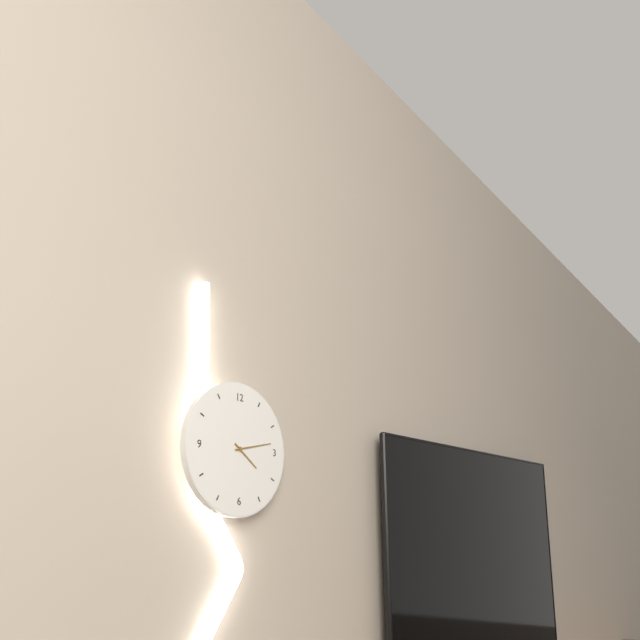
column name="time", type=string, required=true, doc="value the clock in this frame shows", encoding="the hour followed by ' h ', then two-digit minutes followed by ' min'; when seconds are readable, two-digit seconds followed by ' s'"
4 h 13 min
